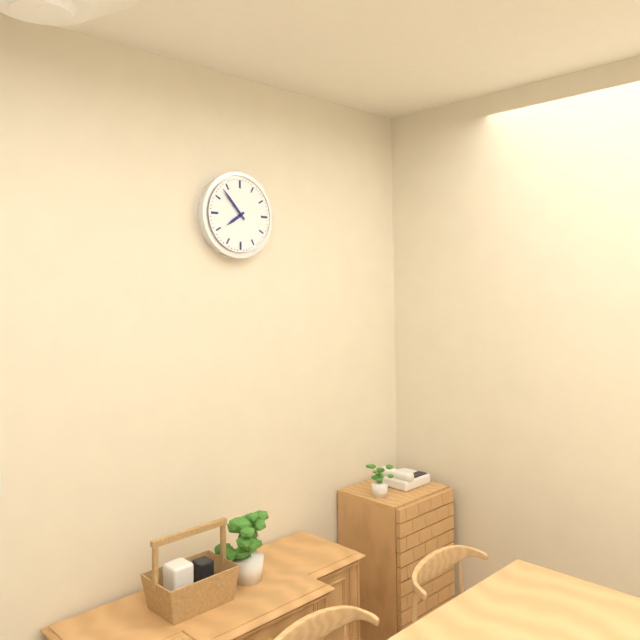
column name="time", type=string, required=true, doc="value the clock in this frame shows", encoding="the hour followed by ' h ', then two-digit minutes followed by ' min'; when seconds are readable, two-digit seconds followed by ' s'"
7 h 53 min
